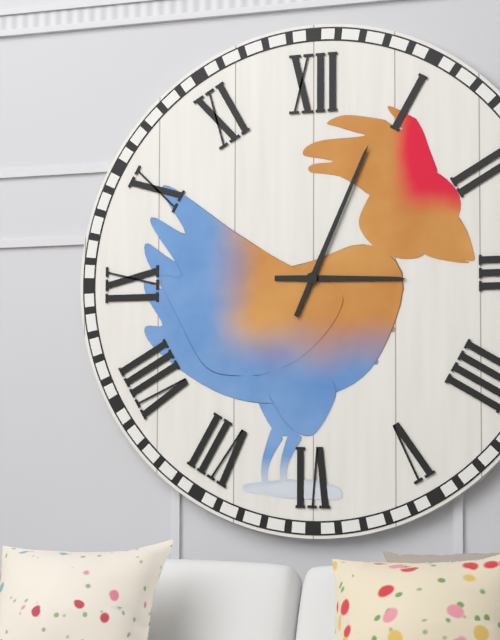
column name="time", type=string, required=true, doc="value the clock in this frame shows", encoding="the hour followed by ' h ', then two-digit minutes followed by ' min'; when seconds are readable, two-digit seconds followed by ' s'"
3 h 04 min
